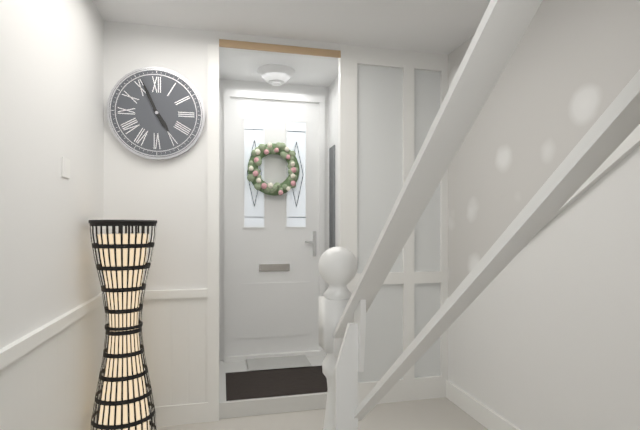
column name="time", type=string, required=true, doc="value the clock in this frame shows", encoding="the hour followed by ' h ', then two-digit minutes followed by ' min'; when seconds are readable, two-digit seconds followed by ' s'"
4 h 56 min
